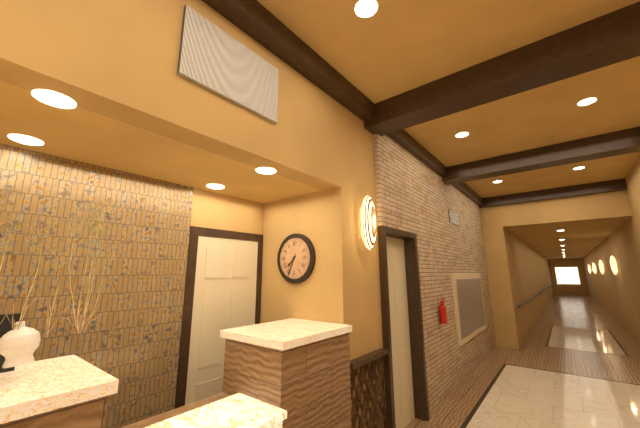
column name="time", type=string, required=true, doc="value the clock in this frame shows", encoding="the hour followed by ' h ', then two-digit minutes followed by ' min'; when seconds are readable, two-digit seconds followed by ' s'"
7 h 34 min
